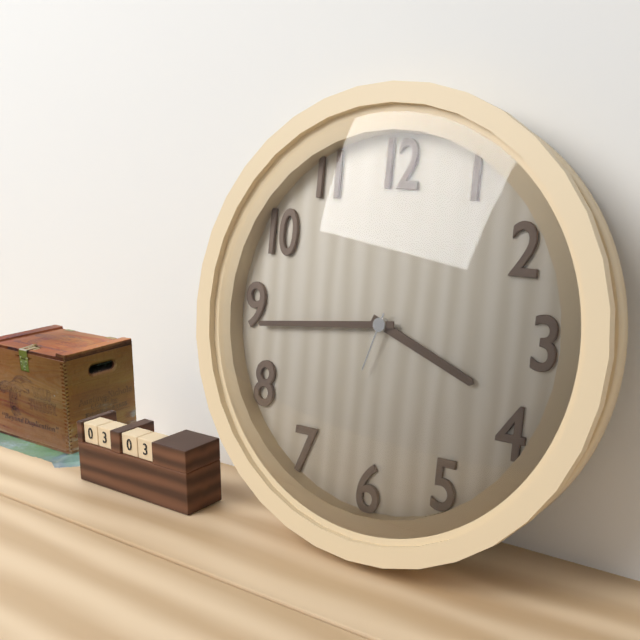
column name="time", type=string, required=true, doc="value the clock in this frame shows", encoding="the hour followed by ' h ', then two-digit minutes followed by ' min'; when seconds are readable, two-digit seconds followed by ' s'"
3 h 44 min 33 s
